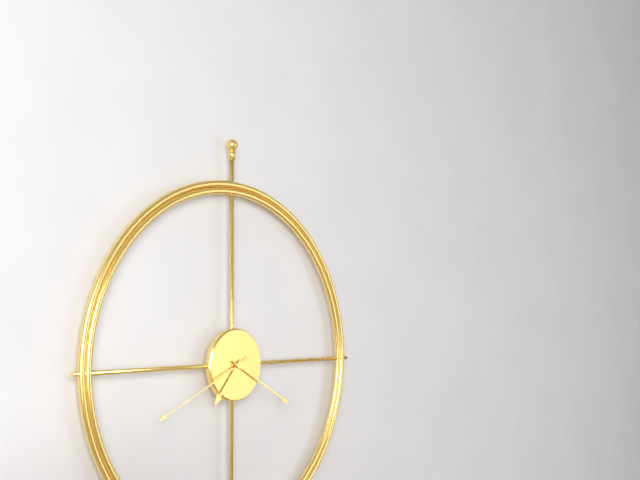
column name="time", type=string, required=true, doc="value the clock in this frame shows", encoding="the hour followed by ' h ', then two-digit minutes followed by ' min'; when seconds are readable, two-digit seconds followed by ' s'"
7 h 20 min 41 s
